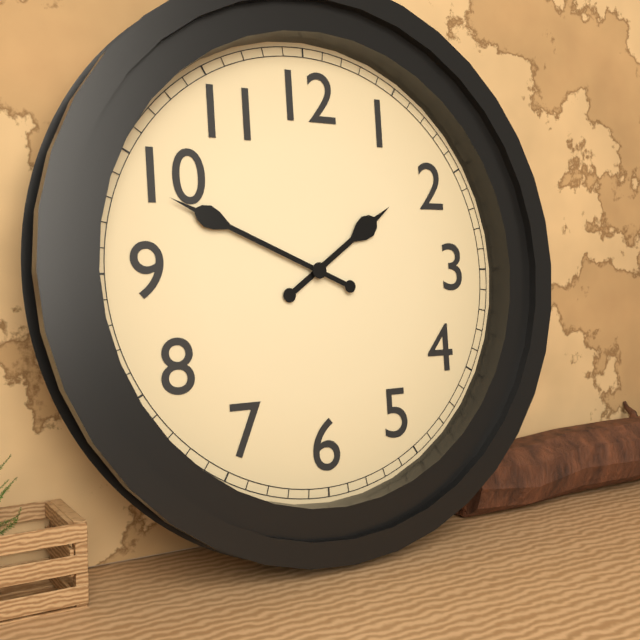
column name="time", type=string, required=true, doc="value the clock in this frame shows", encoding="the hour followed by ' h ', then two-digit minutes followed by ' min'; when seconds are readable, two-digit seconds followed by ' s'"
1 h 49 min
